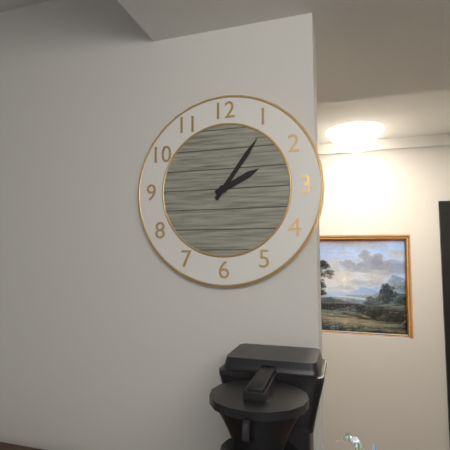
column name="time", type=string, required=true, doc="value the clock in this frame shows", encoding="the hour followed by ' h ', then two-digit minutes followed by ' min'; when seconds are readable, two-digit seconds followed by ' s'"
2 h 06 min
